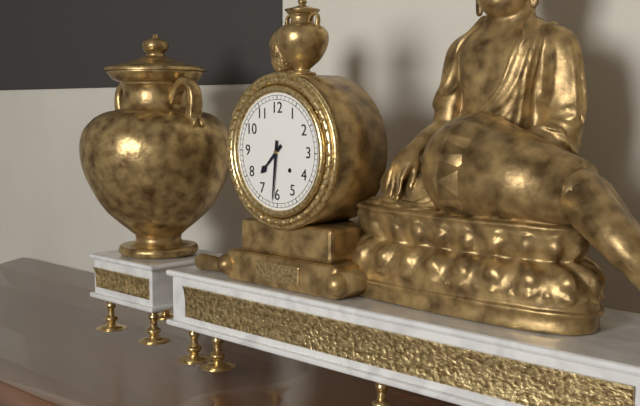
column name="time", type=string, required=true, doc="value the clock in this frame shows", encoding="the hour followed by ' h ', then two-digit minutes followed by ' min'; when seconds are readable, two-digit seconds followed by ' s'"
7 h 31 min
